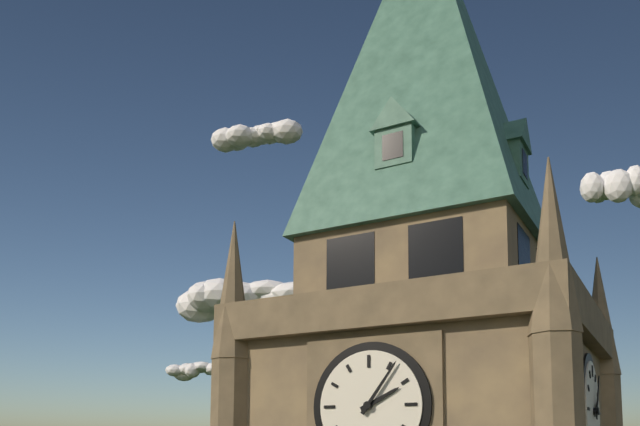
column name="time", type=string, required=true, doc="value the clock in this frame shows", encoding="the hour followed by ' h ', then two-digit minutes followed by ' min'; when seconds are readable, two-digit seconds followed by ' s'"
2 h 06 min
